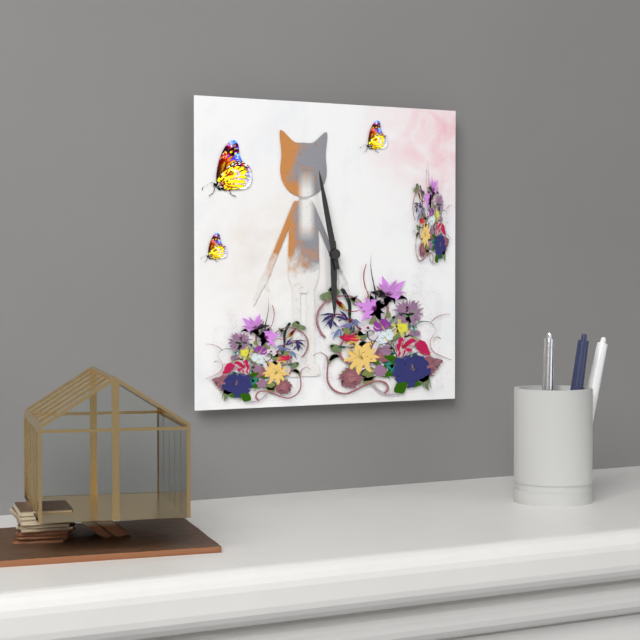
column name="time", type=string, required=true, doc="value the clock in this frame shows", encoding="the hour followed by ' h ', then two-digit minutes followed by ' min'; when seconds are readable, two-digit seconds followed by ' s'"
5 h 58 min
